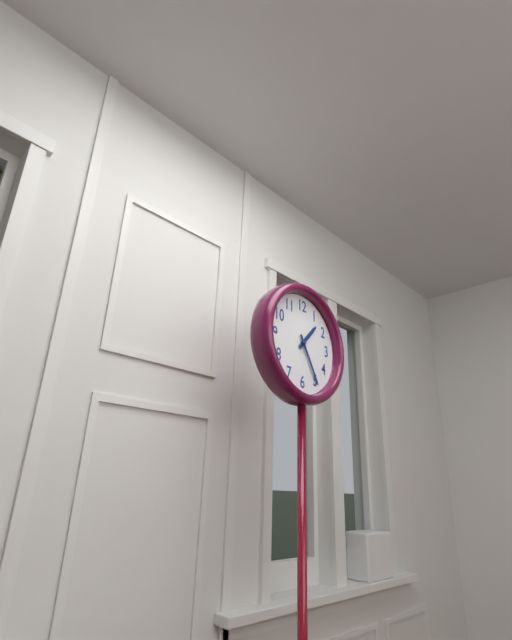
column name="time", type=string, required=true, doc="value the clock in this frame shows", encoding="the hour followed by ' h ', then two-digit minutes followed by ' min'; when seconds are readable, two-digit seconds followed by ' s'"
1 h 25 min
